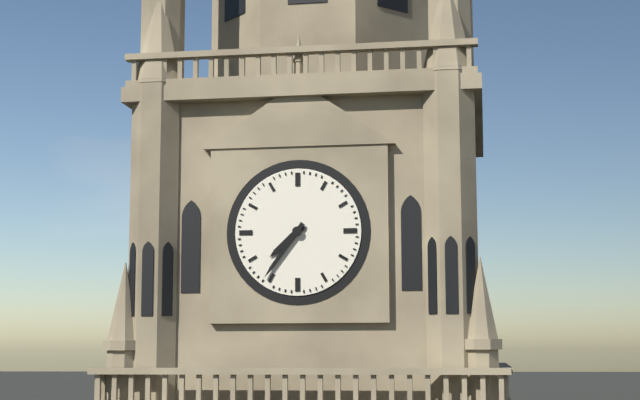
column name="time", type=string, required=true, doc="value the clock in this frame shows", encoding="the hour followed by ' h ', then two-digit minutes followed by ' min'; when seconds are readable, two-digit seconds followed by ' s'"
7 h 36 min
